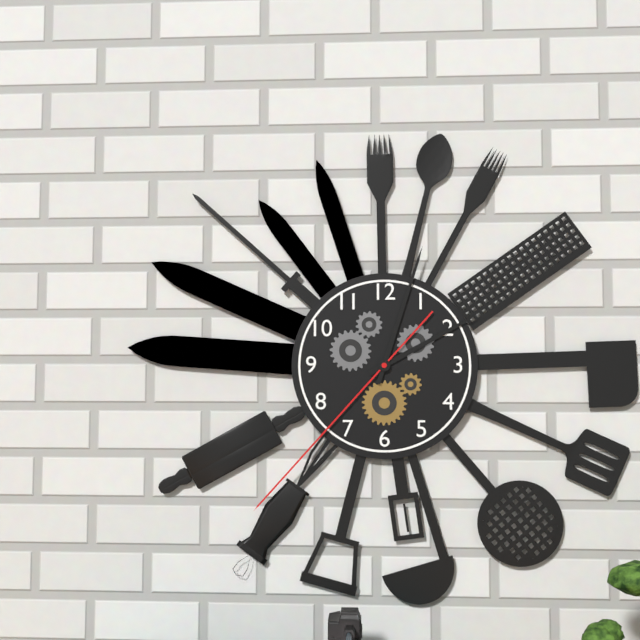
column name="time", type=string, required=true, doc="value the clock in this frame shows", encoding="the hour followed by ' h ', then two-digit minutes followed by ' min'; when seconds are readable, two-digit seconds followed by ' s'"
2 h 03 min 37 s
